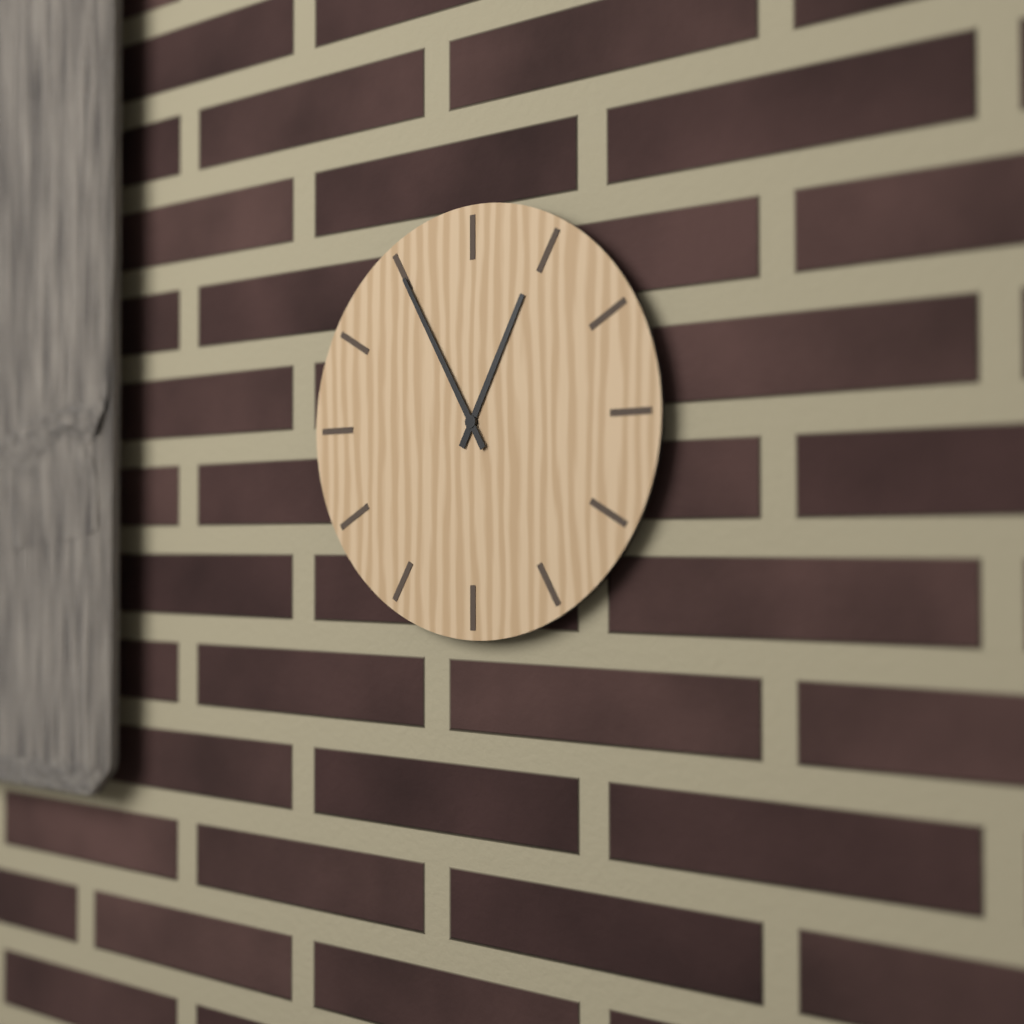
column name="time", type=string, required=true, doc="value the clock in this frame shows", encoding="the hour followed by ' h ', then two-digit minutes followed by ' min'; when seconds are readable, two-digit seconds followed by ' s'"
12 h 55 min
